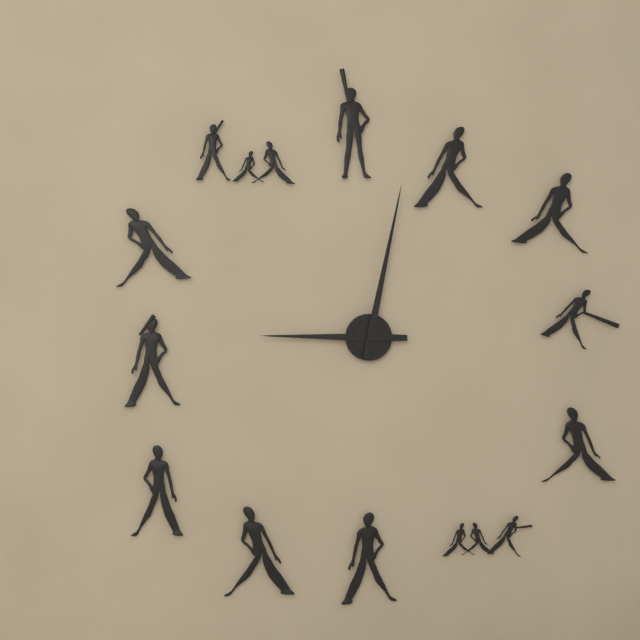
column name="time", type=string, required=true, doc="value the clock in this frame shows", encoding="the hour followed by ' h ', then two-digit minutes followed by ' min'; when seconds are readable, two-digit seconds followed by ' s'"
9 h 02 min
